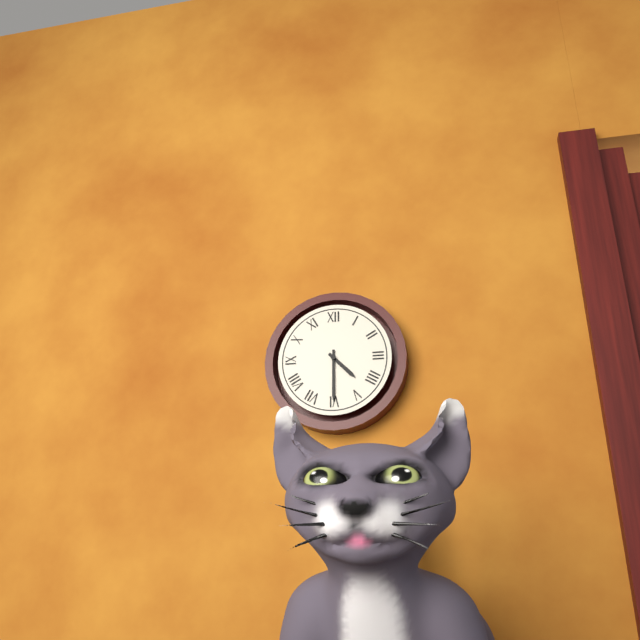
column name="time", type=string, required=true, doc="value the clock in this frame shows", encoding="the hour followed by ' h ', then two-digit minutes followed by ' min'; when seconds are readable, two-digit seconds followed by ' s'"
4 h 30 min
